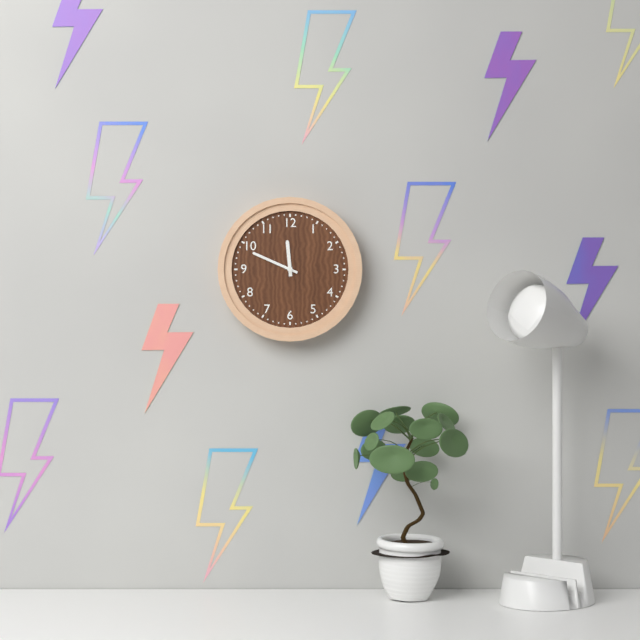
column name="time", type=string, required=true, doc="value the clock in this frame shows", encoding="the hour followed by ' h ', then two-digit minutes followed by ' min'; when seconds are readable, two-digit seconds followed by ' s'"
11 h 49 min
